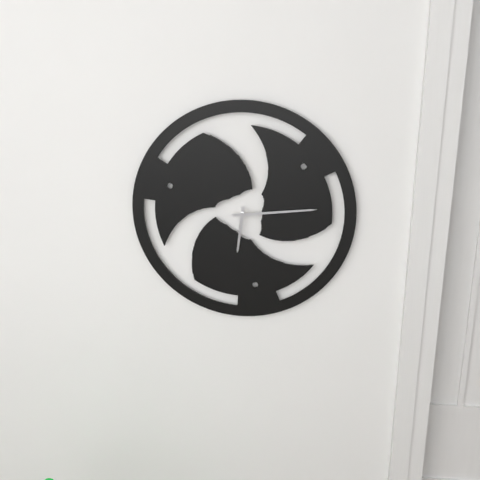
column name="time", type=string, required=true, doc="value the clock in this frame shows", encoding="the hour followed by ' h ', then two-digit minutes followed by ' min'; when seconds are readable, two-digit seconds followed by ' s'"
6 h 14 min
